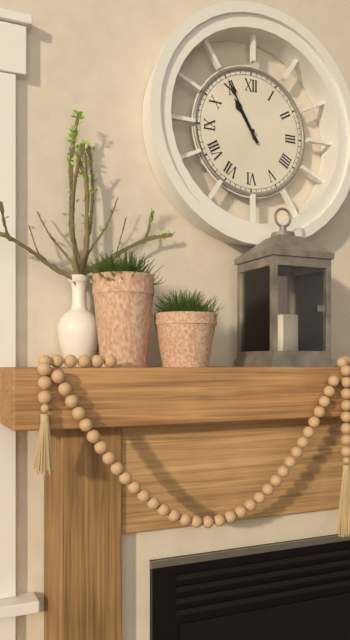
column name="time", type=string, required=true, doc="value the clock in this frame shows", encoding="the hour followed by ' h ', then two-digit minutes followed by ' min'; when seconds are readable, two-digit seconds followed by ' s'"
10 h 55 min
